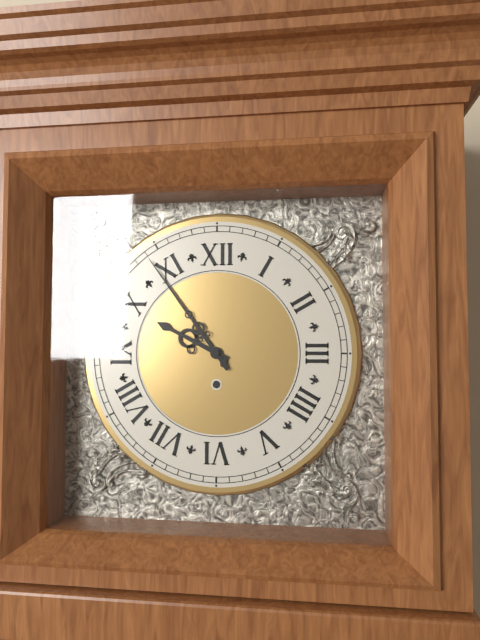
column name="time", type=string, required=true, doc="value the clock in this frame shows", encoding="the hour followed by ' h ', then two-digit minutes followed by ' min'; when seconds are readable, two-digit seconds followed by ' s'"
9 h 54 min
